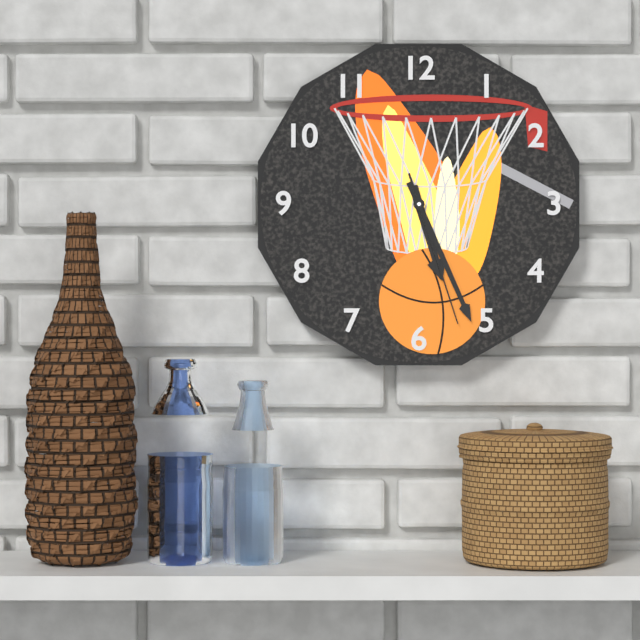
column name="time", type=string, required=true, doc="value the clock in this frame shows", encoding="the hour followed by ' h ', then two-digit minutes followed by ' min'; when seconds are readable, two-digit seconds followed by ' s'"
5 h 26 min 27 s
